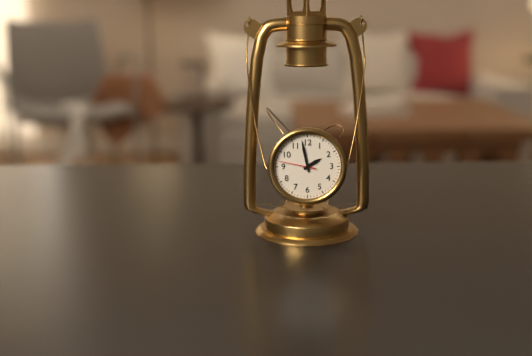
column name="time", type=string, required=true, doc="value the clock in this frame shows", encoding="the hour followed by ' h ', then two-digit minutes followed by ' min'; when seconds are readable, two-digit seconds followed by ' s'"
1 h 58 min
